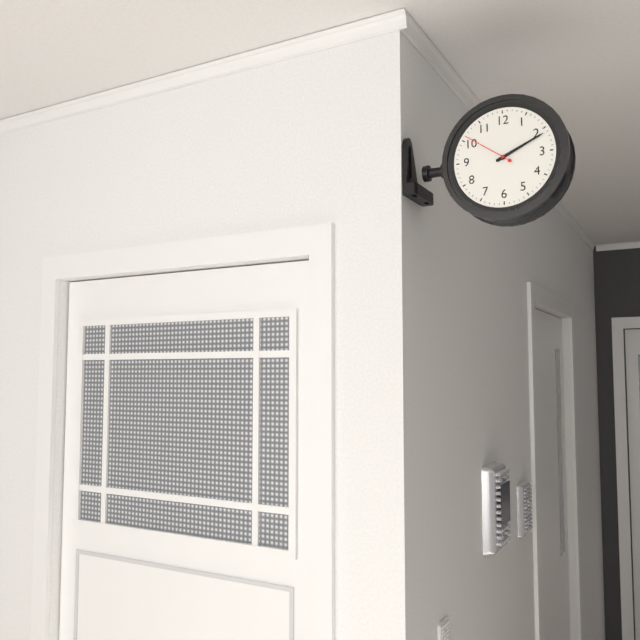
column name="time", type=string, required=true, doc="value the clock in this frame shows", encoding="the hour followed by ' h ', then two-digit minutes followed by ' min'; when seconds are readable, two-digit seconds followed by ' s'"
2 h 11 min 51 s
